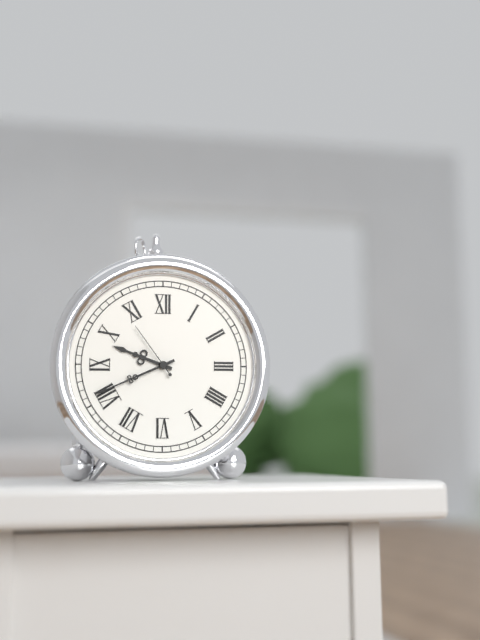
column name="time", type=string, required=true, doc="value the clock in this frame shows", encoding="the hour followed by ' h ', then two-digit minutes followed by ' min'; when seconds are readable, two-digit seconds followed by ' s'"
9 h 41 min 54 s
